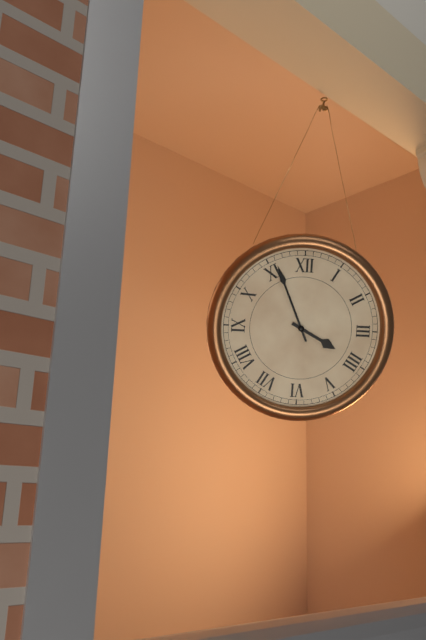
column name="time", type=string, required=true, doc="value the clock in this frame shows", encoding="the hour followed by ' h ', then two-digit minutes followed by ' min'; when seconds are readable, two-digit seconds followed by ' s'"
3 h 56 min
